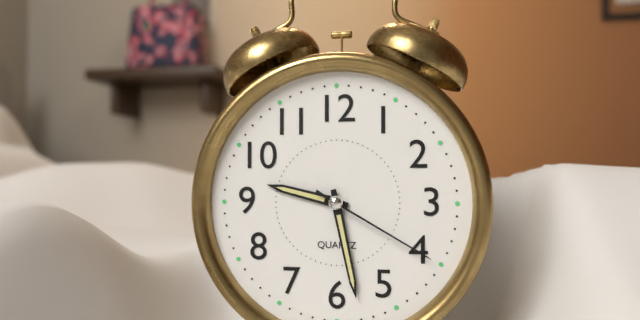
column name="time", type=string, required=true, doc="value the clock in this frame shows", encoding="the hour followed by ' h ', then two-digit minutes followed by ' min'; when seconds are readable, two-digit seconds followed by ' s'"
9 h 28 min 20 s
